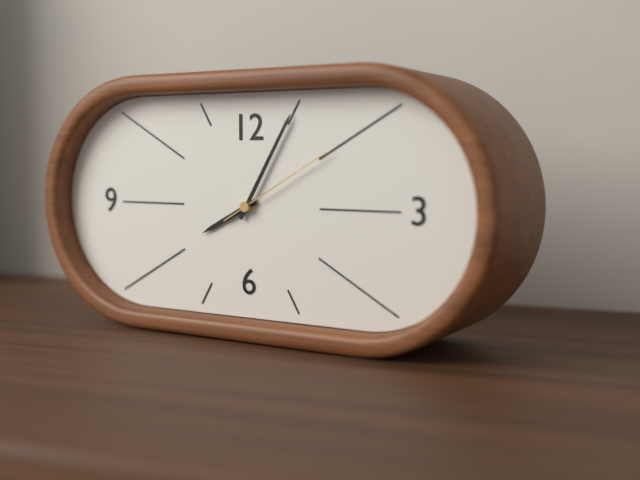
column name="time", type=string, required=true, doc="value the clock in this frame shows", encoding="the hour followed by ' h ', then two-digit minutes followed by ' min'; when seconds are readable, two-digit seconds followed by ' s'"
8 h 05 min 10 s
